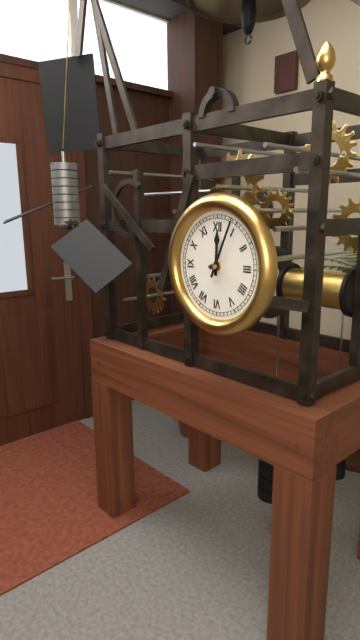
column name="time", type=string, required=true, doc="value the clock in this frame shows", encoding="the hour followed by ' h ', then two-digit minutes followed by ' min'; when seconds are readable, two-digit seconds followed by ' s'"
12 h 04 min
